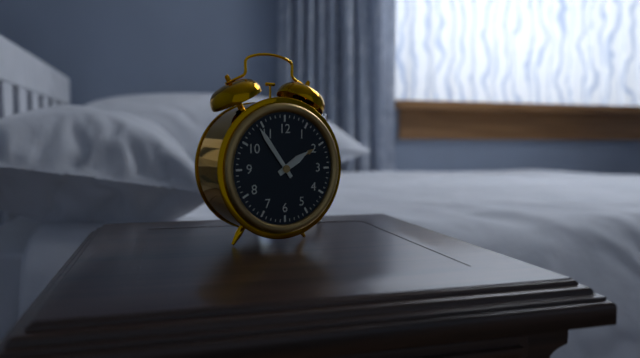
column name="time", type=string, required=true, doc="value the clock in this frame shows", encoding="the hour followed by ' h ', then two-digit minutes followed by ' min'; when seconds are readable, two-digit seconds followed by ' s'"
1 h 54 min
